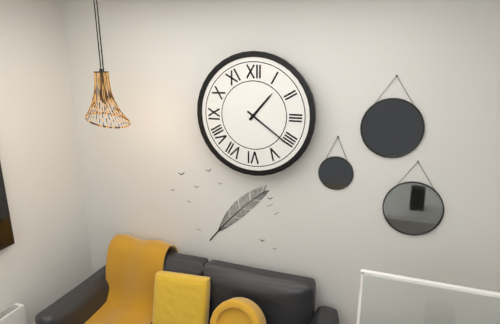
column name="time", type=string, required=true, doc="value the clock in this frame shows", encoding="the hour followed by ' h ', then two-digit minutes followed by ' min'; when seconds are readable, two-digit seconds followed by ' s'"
1 h 21 min
